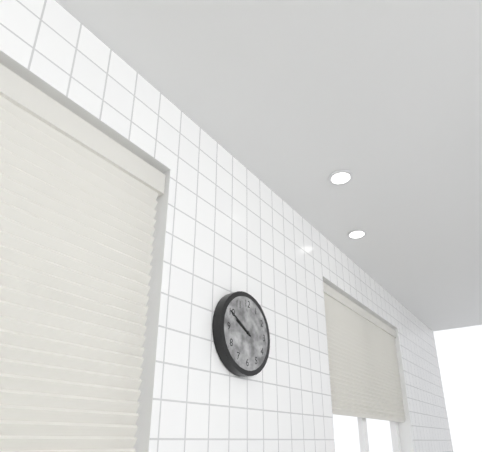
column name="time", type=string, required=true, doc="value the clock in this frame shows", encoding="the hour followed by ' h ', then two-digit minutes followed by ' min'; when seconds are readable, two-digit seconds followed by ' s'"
9 h 50 min
